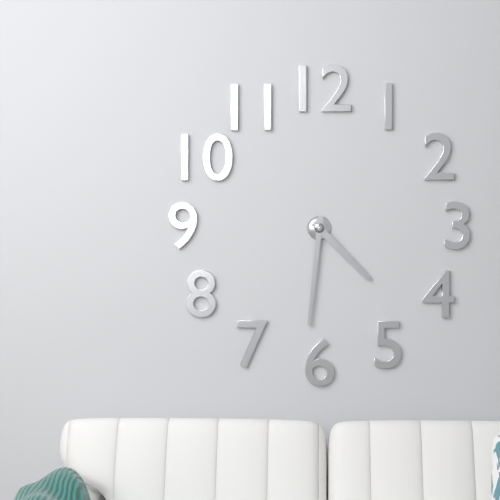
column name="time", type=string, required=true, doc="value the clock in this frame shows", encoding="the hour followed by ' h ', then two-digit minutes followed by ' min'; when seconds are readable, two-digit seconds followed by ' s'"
4 h 31 min
